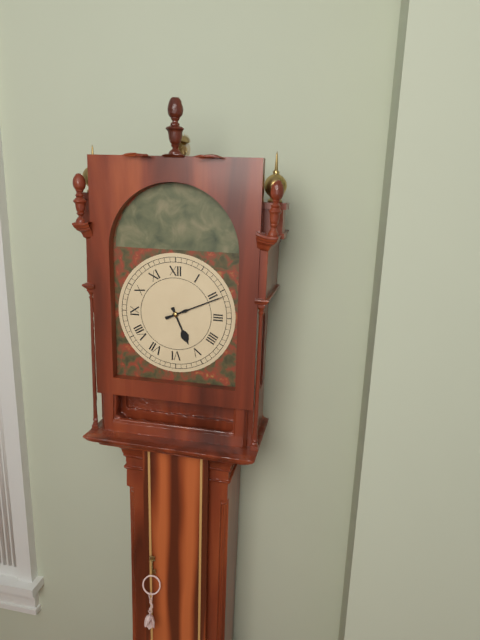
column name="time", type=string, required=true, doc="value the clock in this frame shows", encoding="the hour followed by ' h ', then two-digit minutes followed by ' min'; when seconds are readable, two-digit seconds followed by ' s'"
5 h 11 min
